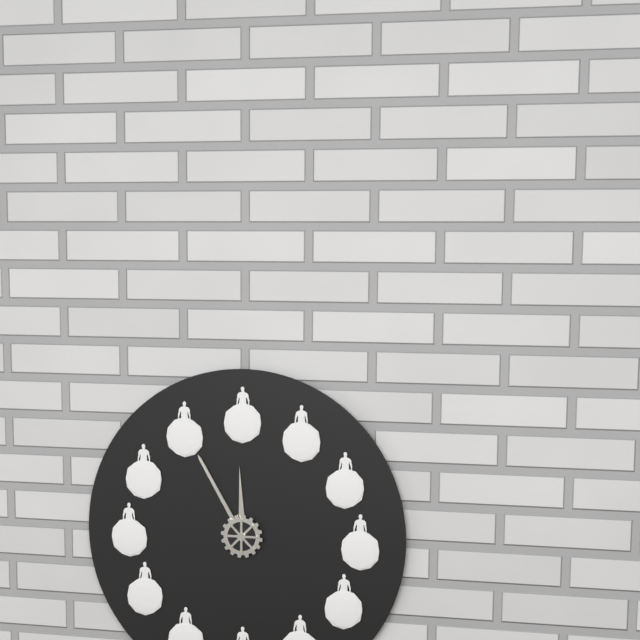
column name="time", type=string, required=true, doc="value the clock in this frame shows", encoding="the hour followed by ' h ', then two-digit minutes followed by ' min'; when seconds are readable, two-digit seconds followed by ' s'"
11 h 55 min
